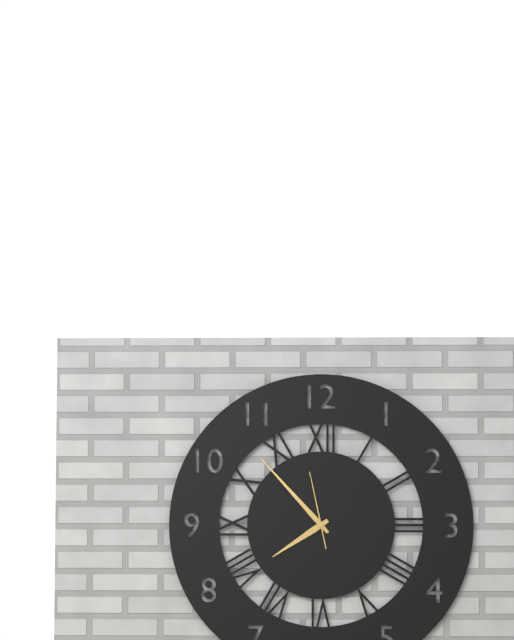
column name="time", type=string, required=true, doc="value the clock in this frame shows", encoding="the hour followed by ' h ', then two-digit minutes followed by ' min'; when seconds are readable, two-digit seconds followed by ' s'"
7 h 53 min 58 s
